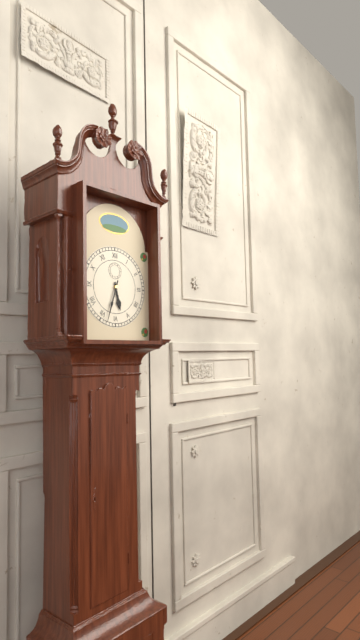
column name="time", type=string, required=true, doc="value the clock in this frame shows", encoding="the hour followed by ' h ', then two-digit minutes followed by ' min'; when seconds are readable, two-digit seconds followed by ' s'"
5 h 33 min
